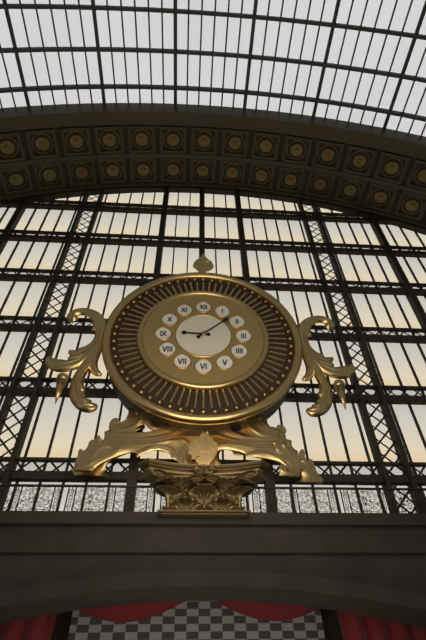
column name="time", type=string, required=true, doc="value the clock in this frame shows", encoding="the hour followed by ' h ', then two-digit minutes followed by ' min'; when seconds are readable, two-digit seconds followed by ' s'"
9 h 08 min
